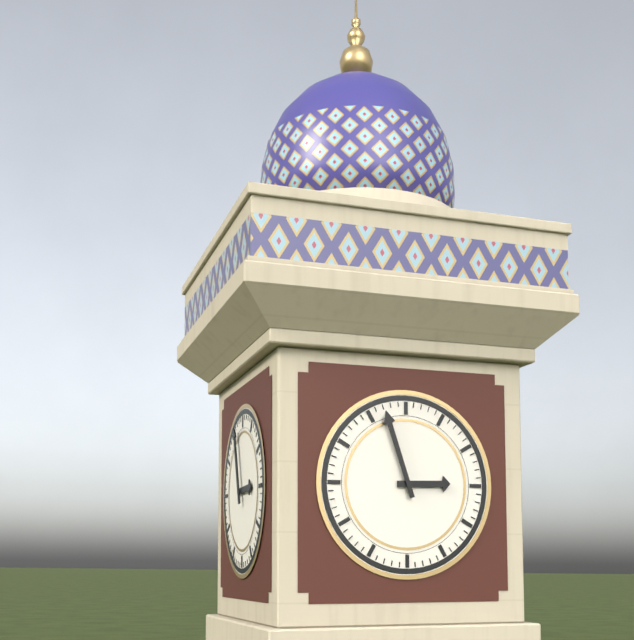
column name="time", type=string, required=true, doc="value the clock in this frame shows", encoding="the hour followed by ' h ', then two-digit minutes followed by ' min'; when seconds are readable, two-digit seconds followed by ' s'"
2 h 57 min
